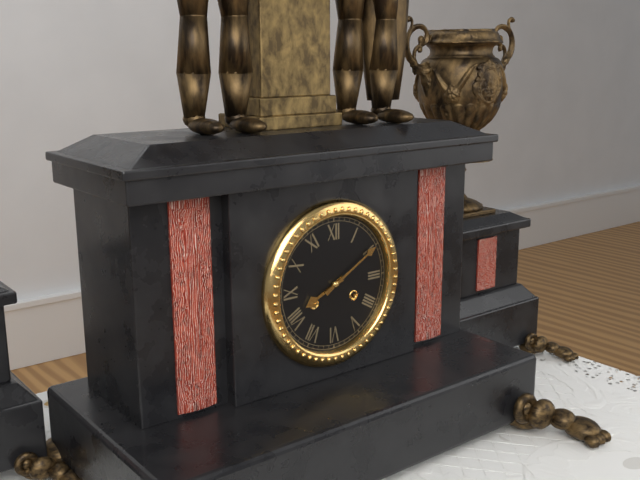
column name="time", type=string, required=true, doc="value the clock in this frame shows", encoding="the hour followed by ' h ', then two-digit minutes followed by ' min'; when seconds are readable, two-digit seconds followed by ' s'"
8 h 10 min
